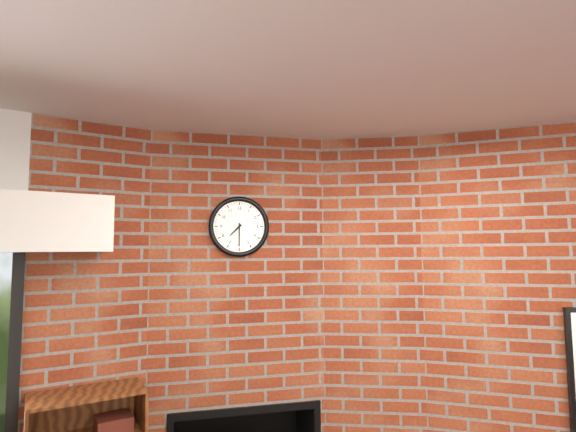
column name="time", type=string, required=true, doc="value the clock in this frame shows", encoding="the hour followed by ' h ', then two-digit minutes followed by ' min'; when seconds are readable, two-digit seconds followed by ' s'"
7 h 30 min
